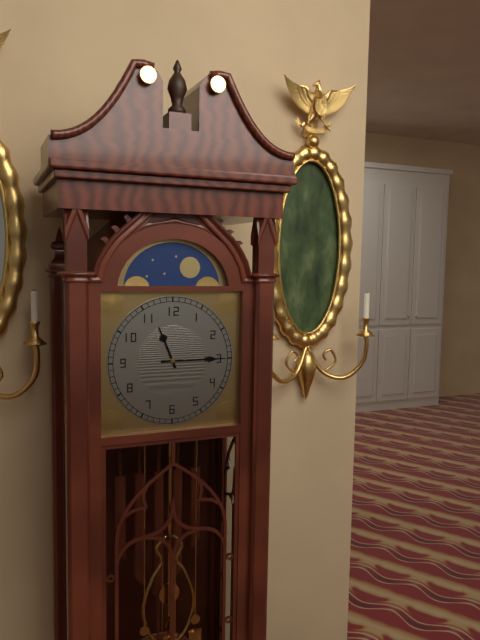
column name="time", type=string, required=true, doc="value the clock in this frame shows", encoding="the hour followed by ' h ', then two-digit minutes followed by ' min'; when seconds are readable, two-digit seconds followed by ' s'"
11 h 15 min
